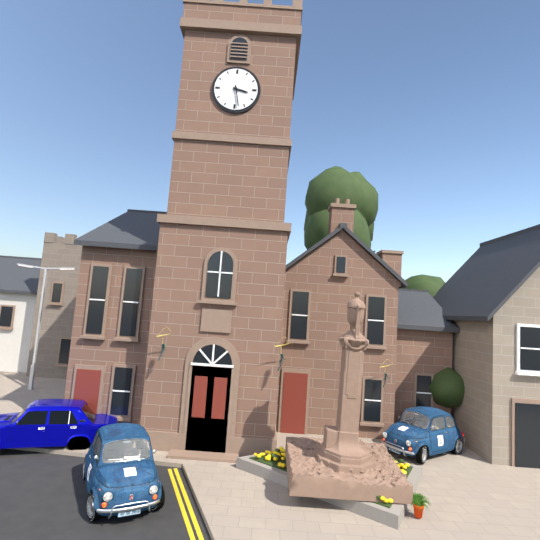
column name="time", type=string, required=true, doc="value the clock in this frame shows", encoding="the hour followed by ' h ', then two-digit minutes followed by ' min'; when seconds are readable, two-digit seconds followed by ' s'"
3 h 28 min
